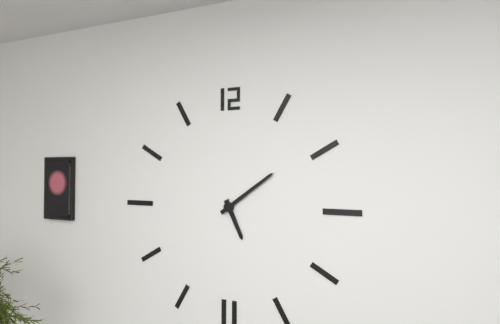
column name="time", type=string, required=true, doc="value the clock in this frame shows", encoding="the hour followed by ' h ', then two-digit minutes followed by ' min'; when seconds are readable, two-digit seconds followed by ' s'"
5 h 09 min
